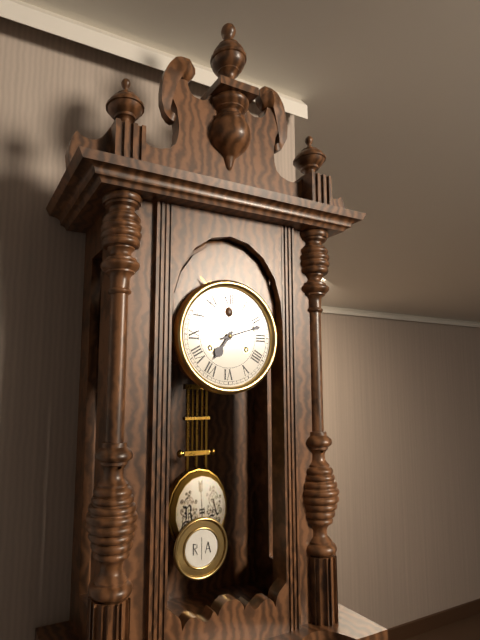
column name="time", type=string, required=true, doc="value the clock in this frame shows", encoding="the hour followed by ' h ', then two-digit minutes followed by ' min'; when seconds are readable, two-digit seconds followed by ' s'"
7 h 12 min
